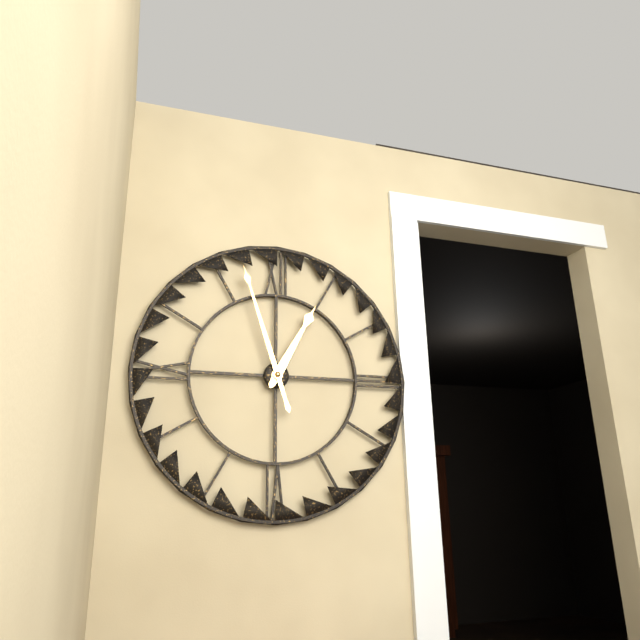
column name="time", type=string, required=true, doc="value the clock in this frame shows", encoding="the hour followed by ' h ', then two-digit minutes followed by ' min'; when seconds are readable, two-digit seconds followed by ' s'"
12 h 57 min
